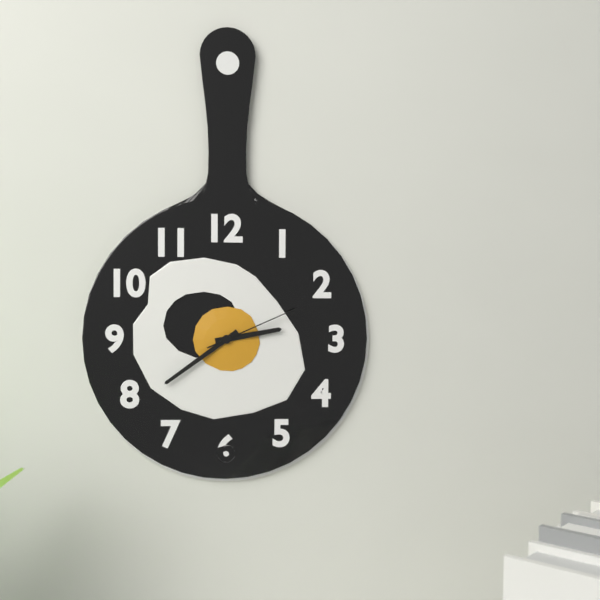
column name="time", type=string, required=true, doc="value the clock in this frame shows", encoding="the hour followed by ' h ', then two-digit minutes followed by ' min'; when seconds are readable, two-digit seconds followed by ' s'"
2 h 39 min 11 s
